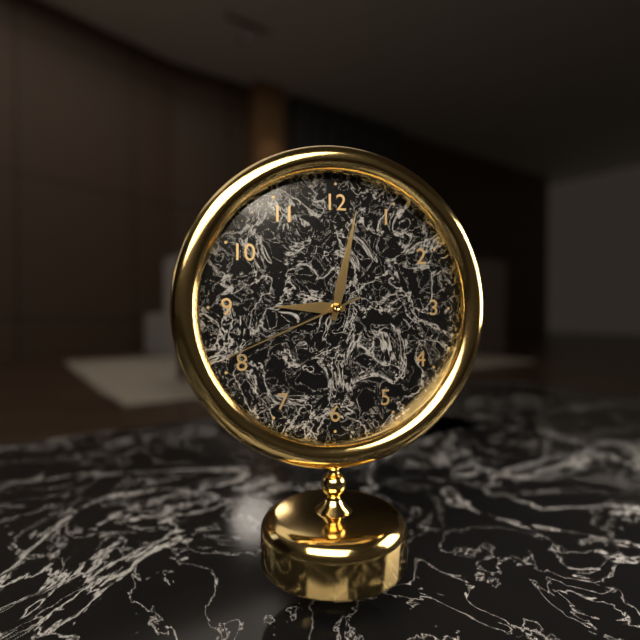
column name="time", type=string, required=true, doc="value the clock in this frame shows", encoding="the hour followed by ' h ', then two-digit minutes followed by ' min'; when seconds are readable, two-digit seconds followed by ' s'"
9 h 02 min 41 s
